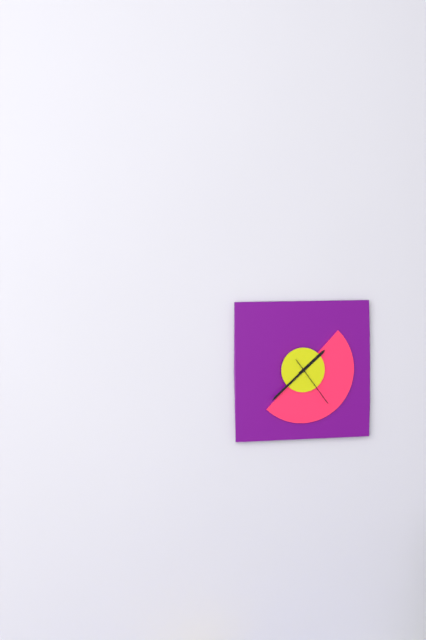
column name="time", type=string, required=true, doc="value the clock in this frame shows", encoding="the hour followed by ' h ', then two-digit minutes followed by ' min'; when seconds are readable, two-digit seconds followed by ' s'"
1 h 38 min 24 s
